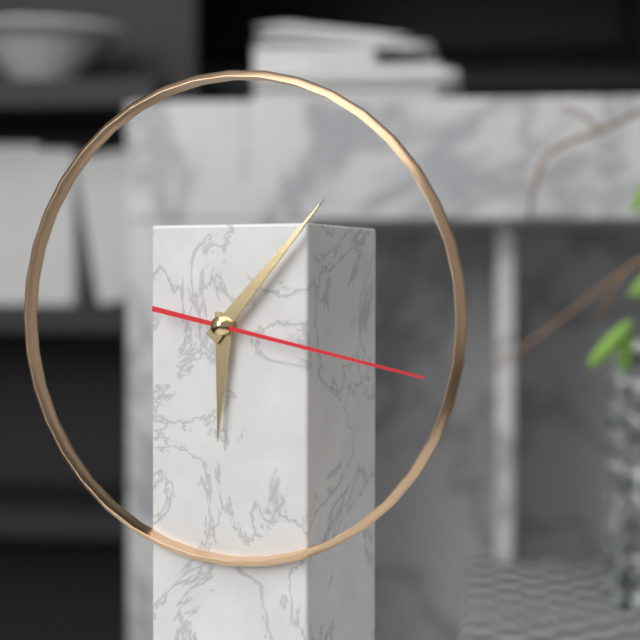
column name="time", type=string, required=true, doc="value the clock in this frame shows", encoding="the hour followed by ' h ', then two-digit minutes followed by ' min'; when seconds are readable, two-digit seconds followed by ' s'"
6 h 07 min 17 s
